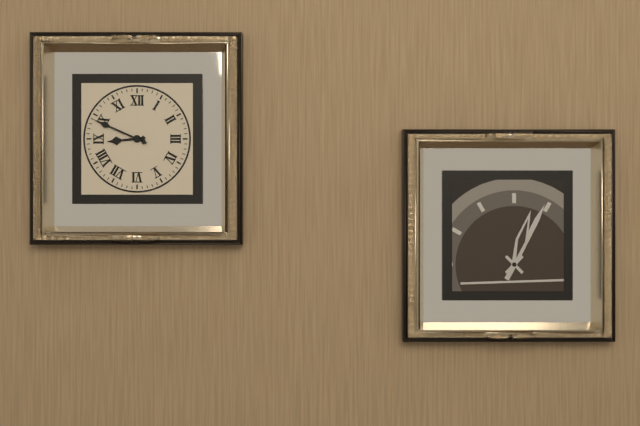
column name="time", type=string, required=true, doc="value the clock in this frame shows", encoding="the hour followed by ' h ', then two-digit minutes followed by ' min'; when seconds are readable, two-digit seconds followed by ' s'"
8 h 49 min
